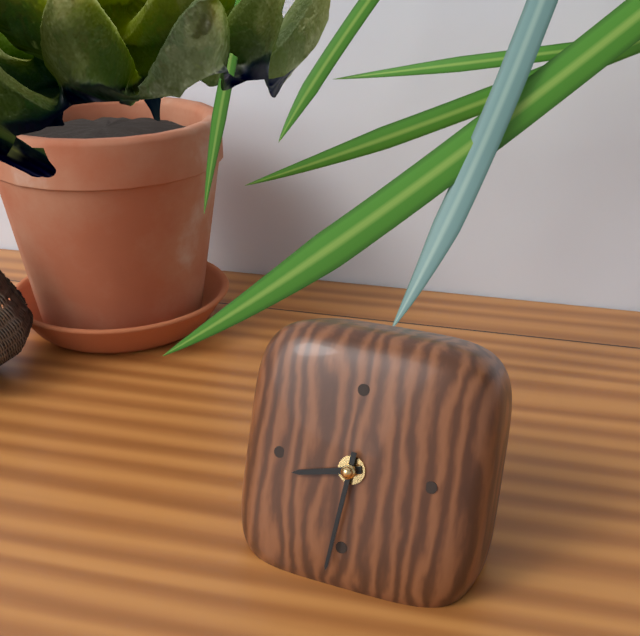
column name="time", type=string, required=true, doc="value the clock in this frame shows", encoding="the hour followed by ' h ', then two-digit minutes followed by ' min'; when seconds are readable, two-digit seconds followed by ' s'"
8 h 31 min
